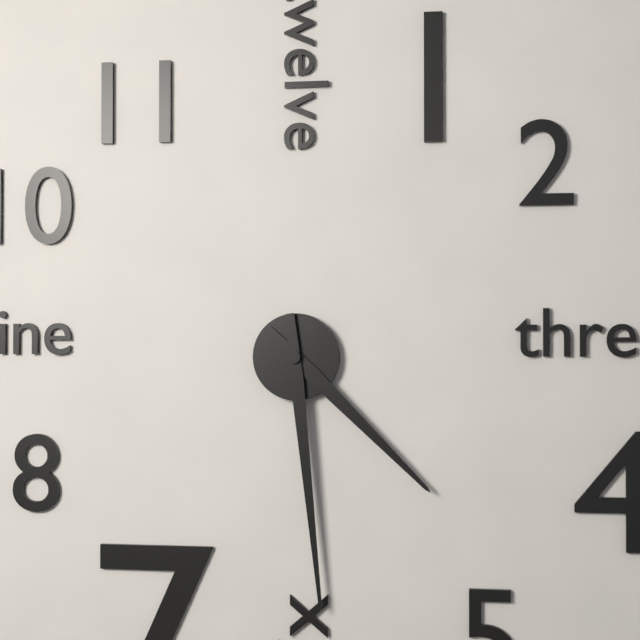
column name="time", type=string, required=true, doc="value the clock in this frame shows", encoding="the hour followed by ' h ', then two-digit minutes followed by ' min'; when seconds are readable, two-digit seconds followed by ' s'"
4 h 29 min
